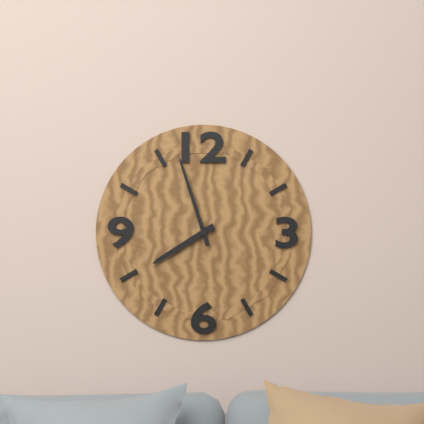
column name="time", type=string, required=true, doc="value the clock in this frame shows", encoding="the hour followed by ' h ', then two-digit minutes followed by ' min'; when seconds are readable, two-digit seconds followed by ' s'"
7 h 57 min
